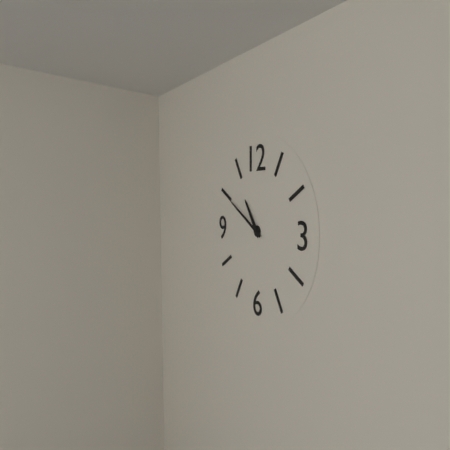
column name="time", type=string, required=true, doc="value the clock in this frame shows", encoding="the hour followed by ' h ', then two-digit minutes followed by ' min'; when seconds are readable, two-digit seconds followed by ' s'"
10 h 50 min
